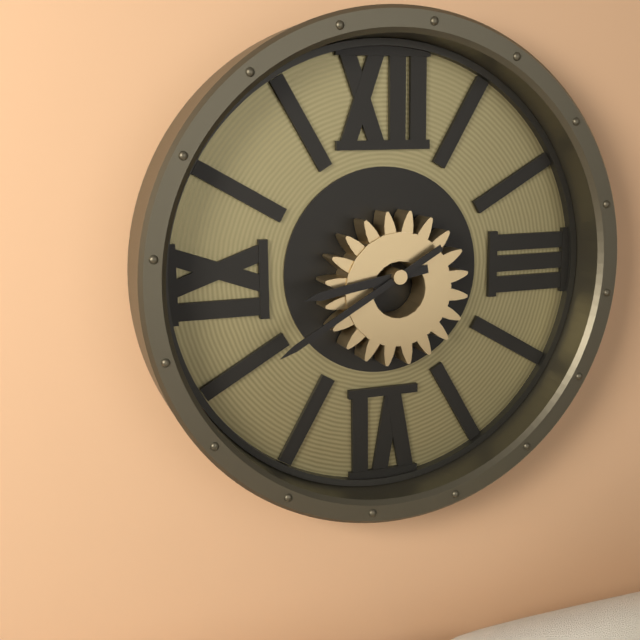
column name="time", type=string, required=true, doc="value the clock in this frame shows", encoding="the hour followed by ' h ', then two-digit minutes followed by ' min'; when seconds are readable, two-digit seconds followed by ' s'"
8 h 40 min
